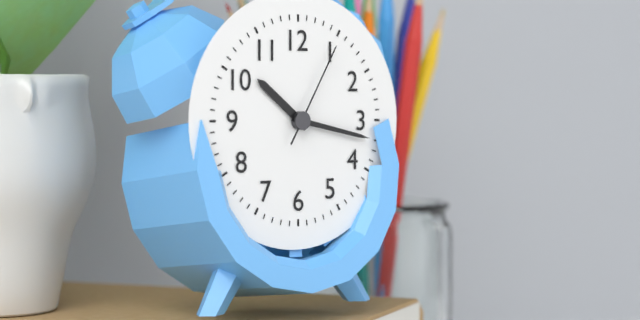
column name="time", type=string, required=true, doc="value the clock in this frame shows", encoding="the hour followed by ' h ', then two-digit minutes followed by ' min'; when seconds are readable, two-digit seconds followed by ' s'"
10 h 17 min 05 s
